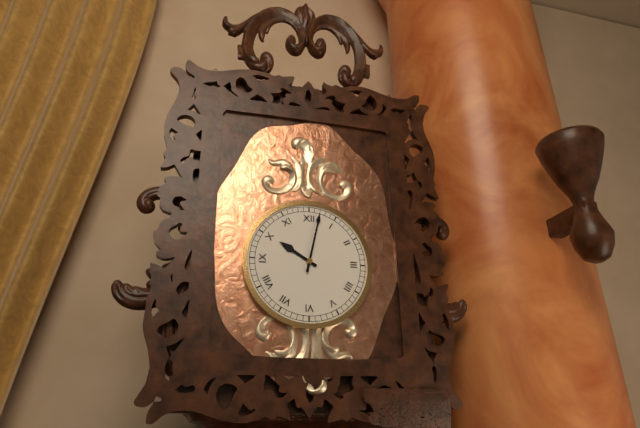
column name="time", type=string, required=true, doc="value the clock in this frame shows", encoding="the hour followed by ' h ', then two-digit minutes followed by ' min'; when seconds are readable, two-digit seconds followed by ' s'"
10 h 02 min
